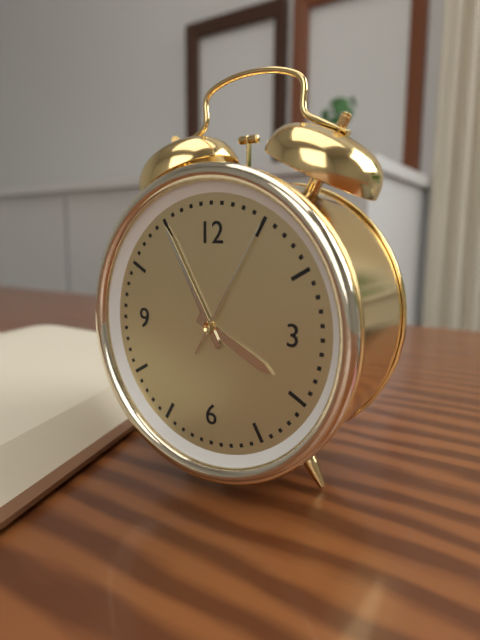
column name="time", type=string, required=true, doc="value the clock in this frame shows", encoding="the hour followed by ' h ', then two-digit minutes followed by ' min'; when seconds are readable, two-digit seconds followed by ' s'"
3 h 55 min 05 s
